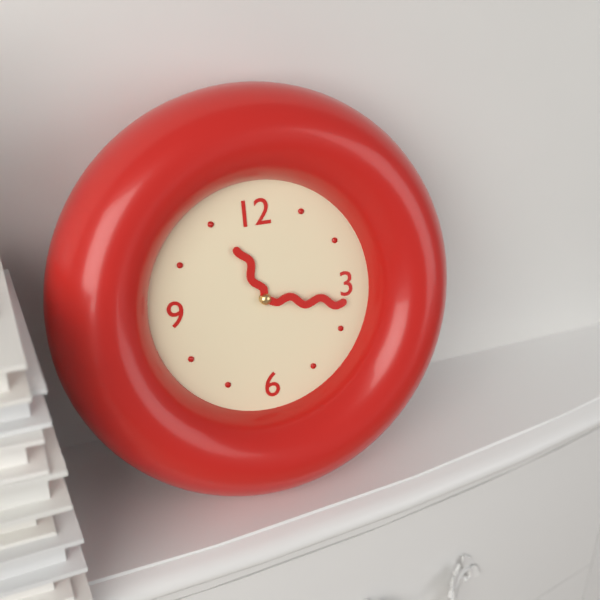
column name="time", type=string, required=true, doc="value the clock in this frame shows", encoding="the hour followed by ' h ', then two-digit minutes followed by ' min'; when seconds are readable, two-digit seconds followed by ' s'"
11 h 17 min
